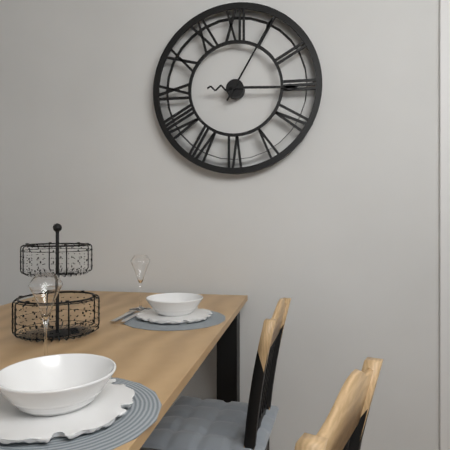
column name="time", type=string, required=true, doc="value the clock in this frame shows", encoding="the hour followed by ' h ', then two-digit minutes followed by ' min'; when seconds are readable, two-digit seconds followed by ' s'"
3 h 05 min
